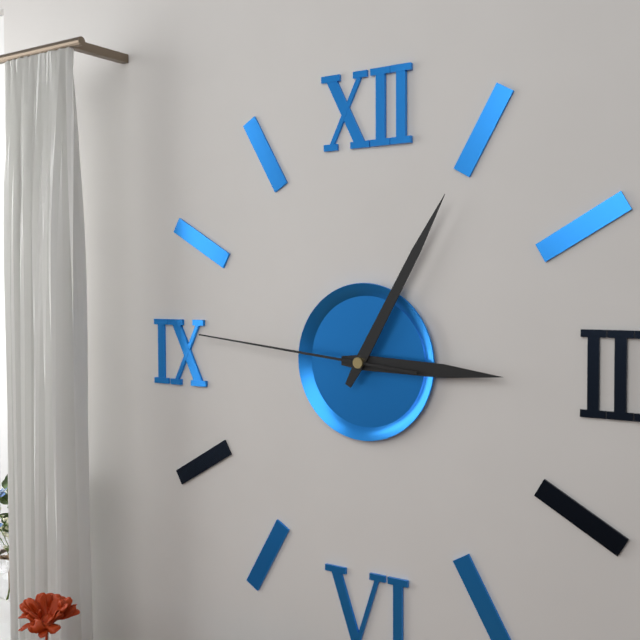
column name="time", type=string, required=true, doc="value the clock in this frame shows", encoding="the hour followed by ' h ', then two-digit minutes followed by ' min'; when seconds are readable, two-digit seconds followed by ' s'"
3 h 05 min 46 s
